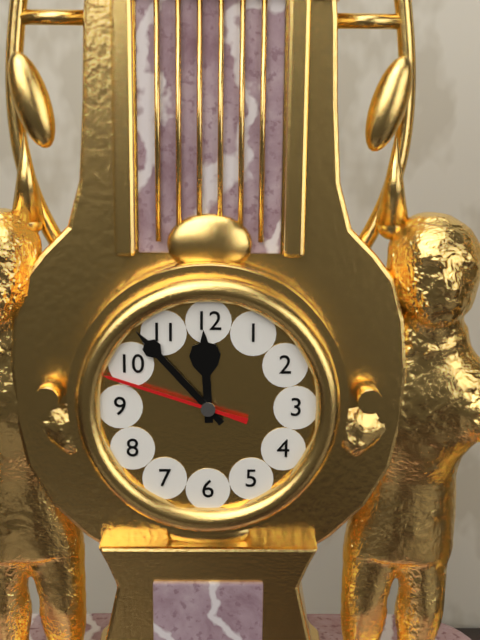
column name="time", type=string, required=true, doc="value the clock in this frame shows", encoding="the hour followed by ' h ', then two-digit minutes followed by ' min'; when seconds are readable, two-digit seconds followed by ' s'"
11 h 53 min 48 s
